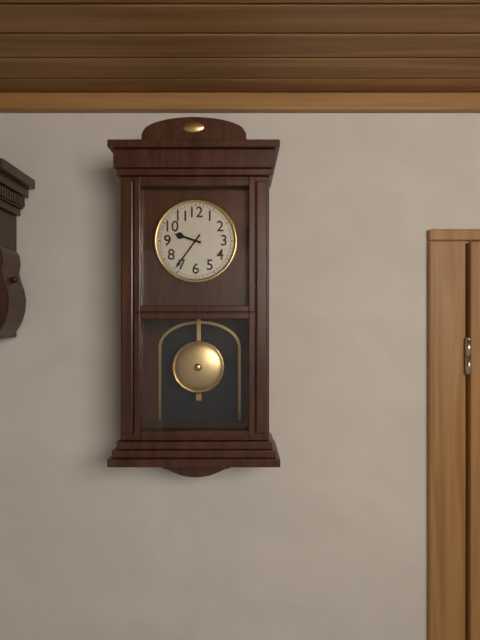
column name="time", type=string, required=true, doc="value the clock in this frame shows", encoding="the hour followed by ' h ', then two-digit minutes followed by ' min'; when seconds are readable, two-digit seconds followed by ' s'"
9 h 36 min
